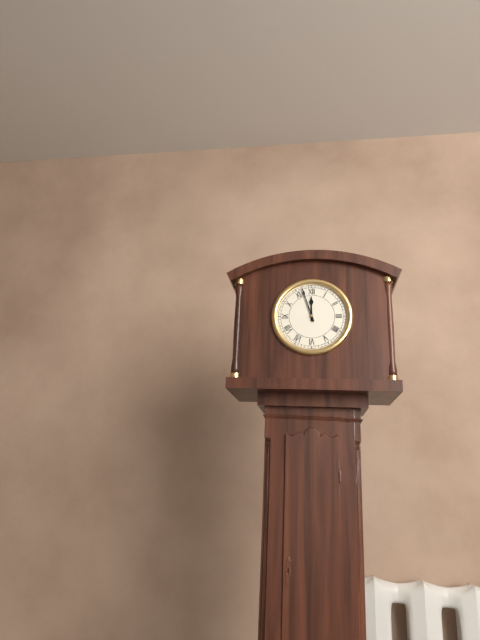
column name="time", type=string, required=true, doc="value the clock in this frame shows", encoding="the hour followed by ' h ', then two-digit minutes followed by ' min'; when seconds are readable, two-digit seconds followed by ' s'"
11 h 57 min
